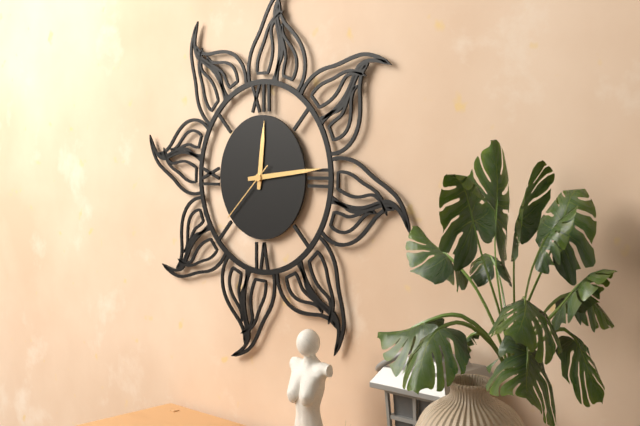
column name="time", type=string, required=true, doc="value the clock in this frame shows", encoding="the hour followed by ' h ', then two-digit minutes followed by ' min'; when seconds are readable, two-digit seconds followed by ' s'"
12 h 14 min 38 s
